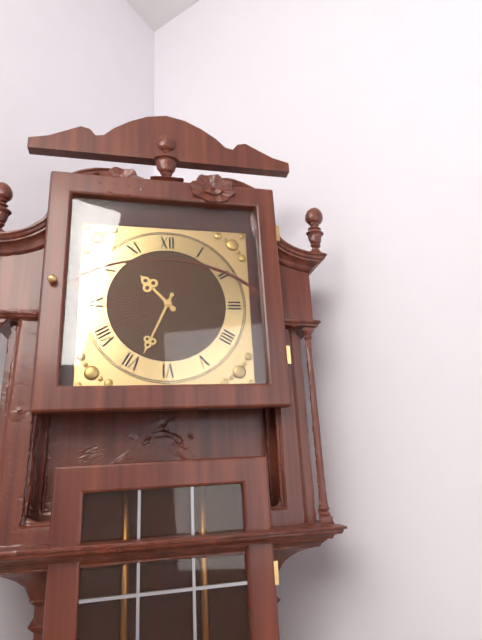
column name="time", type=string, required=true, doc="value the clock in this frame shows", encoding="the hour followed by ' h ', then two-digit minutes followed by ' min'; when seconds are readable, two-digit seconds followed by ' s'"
10 h 34 min
